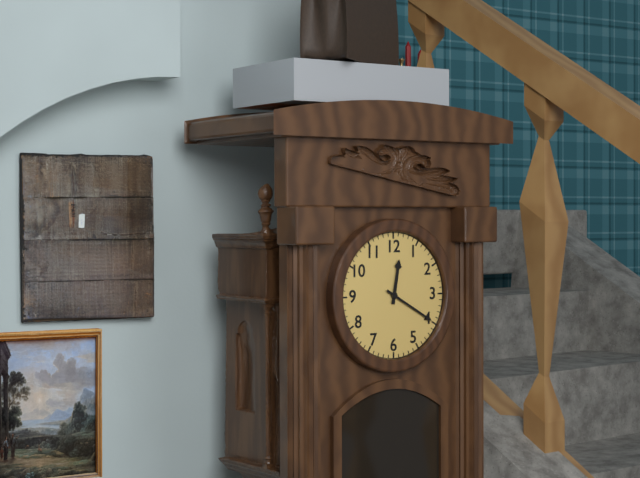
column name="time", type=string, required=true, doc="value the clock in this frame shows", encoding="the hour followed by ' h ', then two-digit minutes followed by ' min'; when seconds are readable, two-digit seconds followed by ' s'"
12 h 20 min
